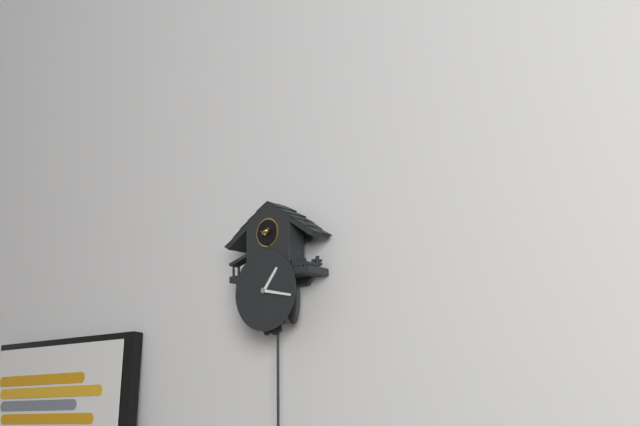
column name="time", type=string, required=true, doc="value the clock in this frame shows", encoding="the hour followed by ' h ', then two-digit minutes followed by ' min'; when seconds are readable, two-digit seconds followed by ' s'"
1 h 17 min
